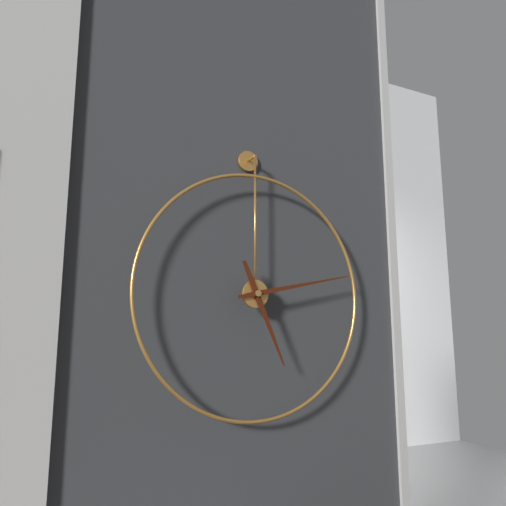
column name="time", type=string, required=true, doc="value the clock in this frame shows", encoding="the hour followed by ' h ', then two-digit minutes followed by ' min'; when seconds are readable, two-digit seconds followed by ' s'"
5 h 13 min
